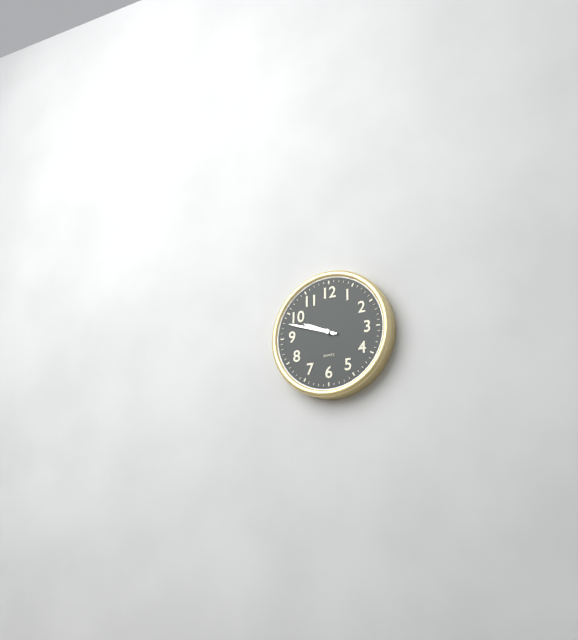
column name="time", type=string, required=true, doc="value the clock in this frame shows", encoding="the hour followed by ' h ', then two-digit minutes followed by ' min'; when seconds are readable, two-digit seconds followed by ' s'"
9 h 48 min
